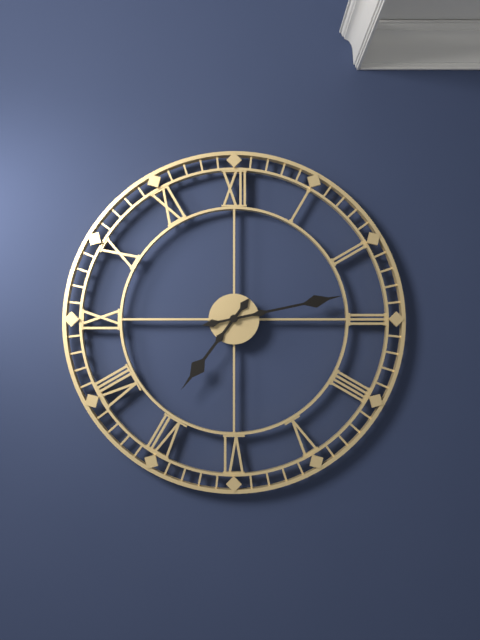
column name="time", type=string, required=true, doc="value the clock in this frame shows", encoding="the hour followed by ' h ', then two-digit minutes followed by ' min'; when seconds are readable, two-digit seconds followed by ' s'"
7 h 13 min
